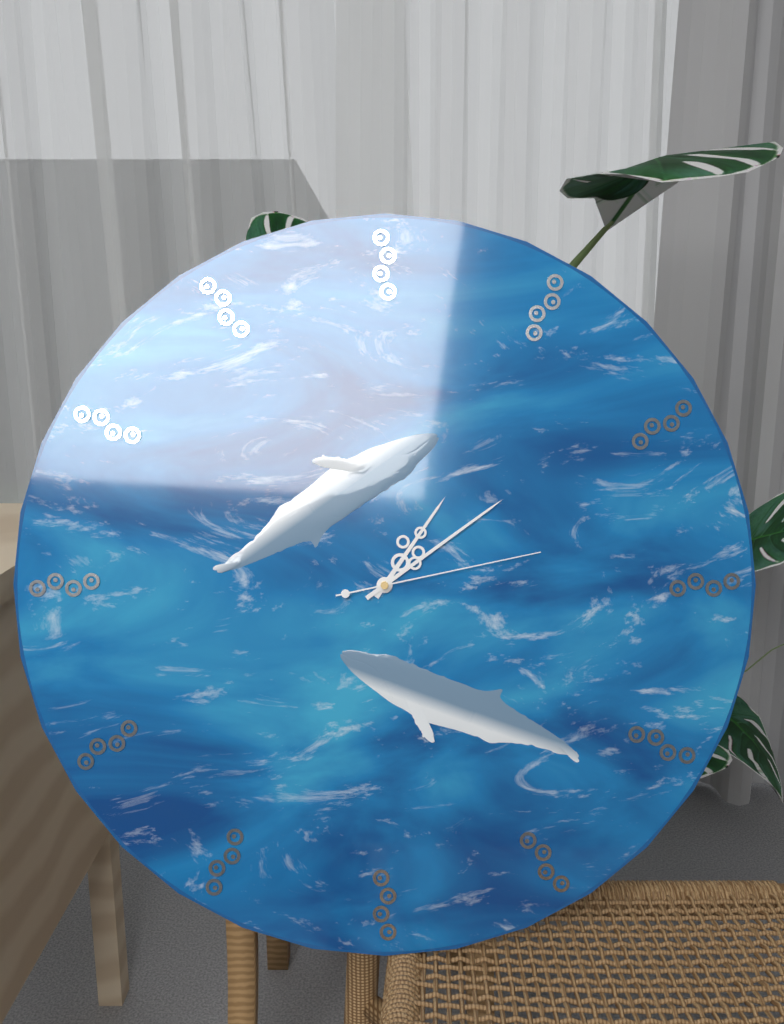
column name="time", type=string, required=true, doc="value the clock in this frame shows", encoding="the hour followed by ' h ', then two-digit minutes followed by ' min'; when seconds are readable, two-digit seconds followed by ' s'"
1 h 09 min 13 s
